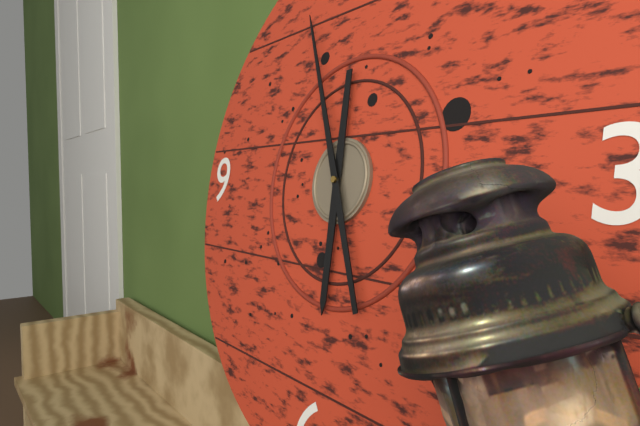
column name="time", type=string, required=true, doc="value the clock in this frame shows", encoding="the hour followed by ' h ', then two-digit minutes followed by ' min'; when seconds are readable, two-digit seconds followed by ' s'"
5 h 56 min
